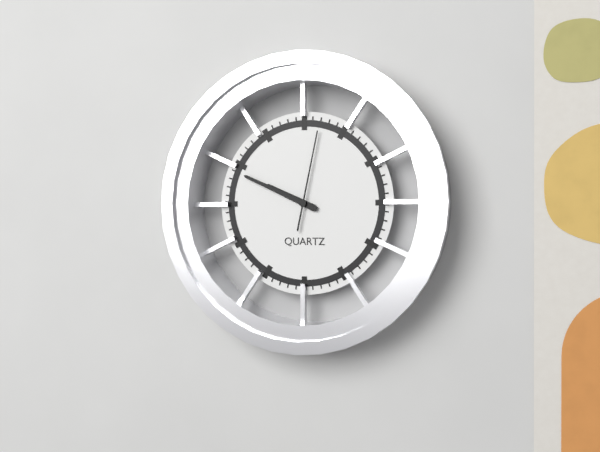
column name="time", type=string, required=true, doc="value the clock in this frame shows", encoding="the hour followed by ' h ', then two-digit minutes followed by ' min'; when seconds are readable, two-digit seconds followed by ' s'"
9 h 49 min 02 s
